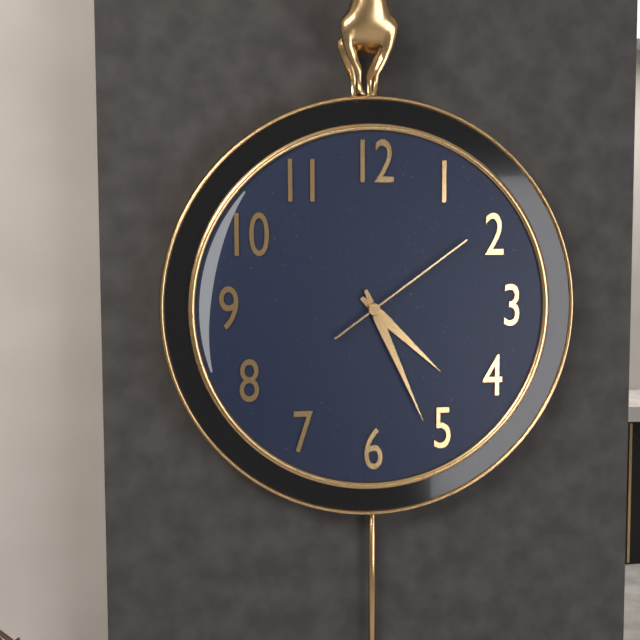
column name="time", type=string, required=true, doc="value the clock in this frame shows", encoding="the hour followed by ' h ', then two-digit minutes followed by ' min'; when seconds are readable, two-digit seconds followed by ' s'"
4 h 26 min 09 s
